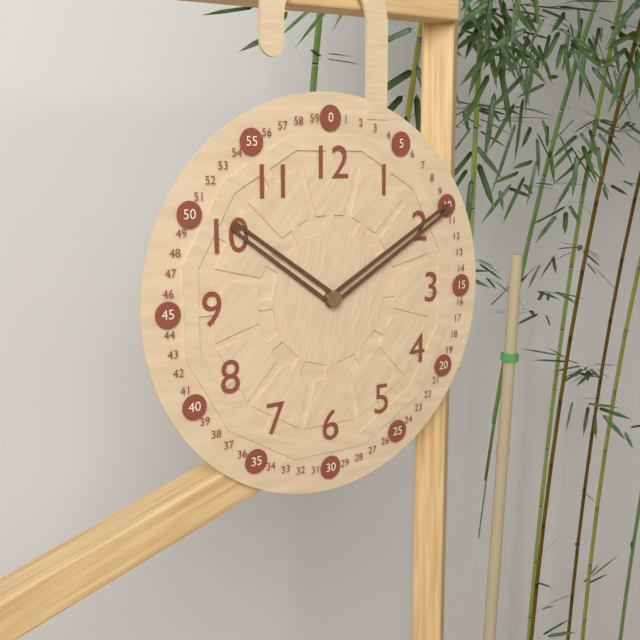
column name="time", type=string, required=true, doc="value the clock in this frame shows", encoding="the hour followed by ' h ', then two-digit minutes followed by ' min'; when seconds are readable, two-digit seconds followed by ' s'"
10 h 10 min
